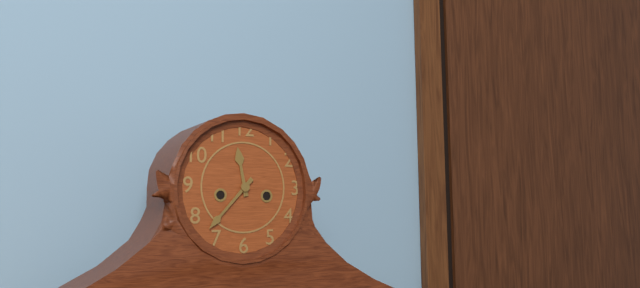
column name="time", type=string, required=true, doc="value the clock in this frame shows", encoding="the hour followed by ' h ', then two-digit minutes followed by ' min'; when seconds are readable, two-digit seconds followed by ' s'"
11 h 37 min
